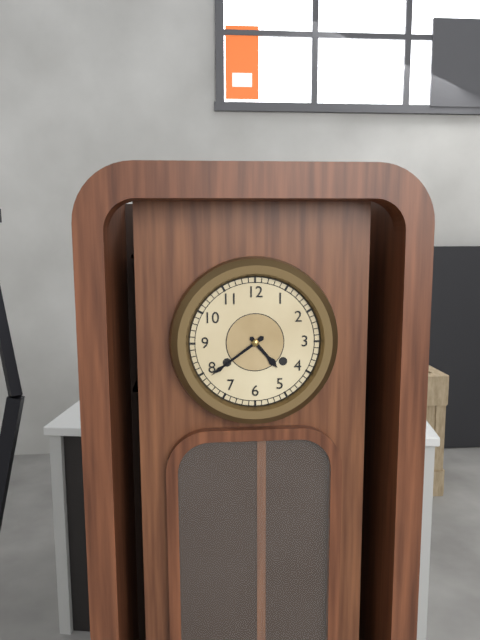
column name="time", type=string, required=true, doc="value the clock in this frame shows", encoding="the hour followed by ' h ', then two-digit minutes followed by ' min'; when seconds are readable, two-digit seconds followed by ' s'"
4 h 39 min
